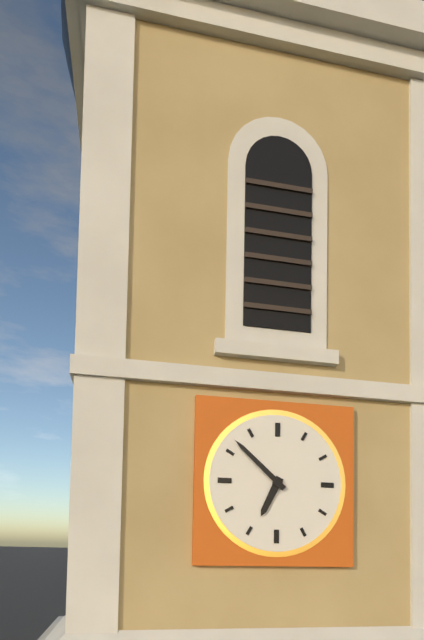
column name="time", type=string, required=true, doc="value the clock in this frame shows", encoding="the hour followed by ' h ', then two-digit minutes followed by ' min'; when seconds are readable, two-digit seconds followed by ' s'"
6 h 52 min
